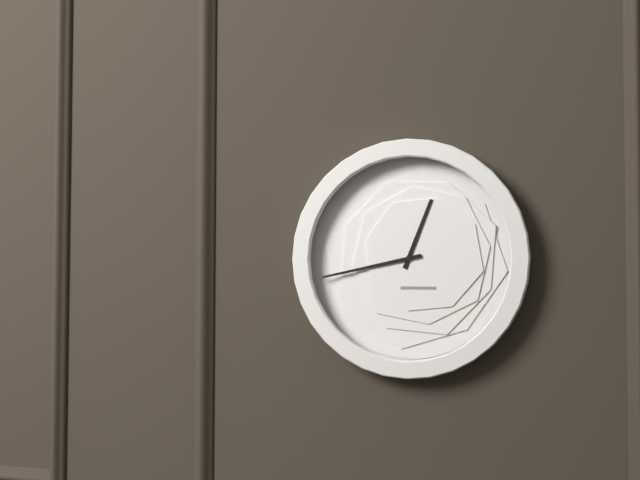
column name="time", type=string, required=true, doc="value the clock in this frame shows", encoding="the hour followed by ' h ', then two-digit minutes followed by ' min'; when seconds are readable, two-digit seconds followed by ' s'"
12 h 43 min
